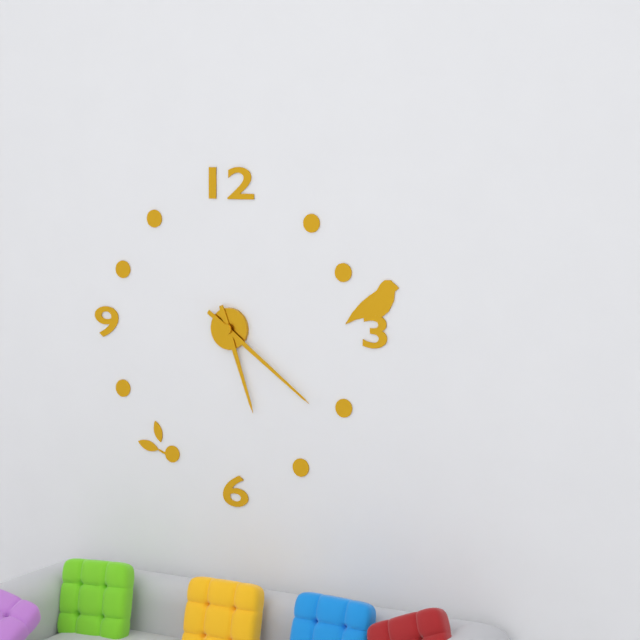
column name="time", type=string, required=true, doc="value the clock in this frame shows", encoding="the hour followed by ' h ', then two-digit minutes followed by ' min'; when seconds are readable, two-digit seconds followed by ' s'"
5 h 21 min
